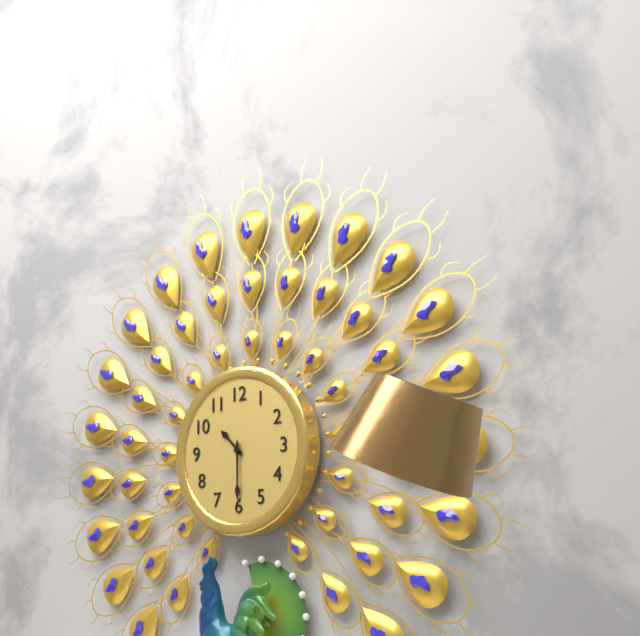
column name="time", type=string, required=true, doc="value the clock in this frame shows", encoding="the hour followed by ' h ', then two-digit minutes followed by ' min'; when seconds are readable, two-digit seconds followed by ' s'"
10 h 30 min
